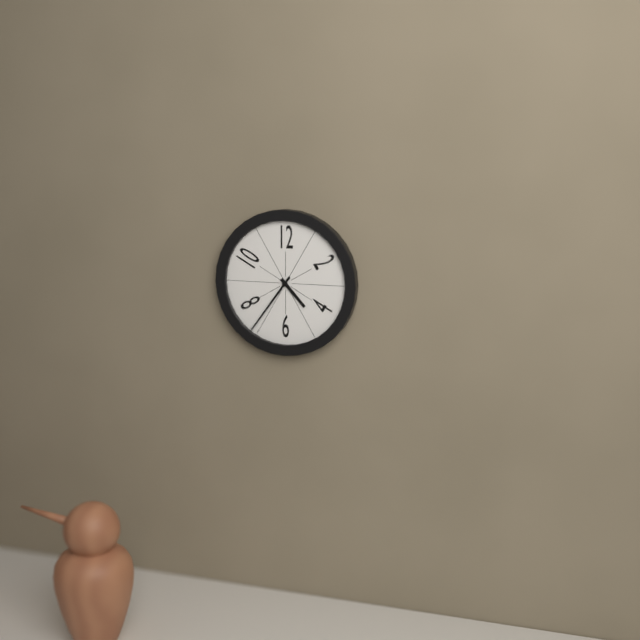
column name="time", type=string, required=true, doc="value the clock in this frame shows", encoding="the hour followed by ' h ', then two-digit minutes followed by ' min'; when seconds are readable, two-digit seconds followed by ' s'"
4 h 36 min
